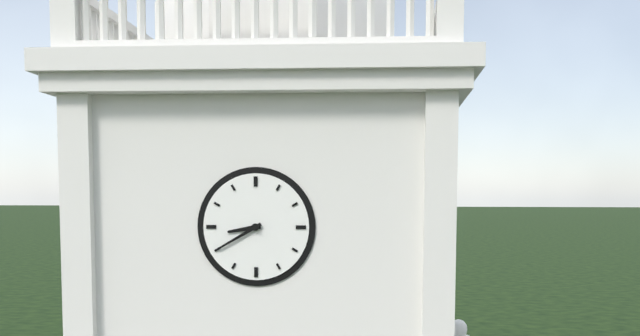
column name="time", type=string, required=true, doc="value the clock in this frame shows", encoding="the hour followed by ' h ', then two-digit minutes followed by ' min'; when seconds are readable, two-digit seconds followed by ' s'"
8 h 40 min
